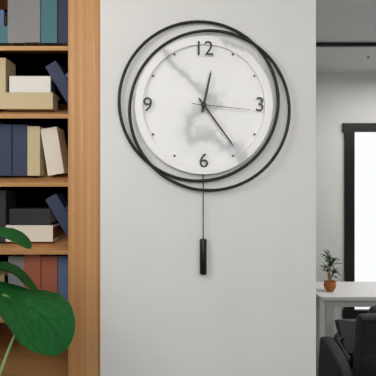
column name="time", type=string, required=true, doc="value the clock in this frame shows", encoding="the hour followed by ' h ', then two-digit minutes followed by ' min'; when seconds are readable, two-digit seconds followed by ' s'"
12 h 24 min 16 s
